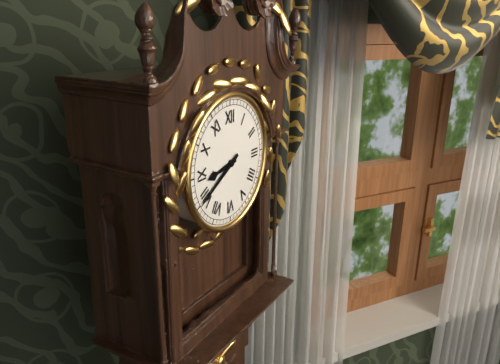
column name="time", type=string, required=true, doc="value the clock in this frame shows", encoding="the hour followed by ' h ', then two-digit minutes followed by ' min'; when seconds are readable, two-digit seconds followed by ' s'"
8 h 40 min
